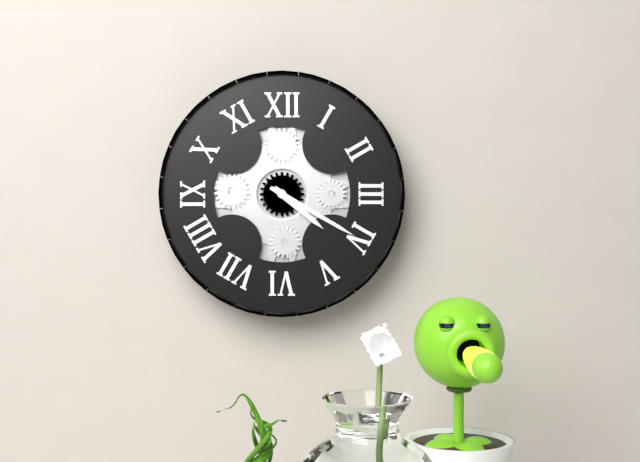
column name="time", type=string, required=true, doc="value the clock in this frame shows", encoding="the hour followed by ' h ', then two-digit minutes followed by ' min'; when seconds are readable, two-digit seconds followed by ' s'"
4 h 20 min
